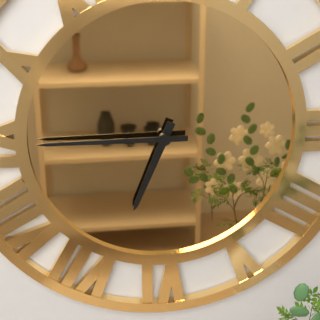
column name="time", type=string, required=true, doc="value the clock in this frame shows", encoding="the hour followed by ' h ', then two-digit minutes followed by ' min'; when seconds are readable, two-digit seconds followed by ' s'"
6 h 45 min
